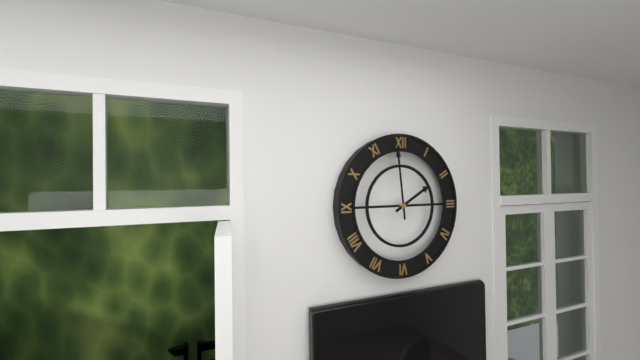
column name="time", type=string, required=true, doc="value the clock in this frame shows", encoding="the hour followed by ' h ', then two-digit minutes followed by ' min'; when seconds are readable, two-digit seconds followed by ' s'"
1 h 59 min
